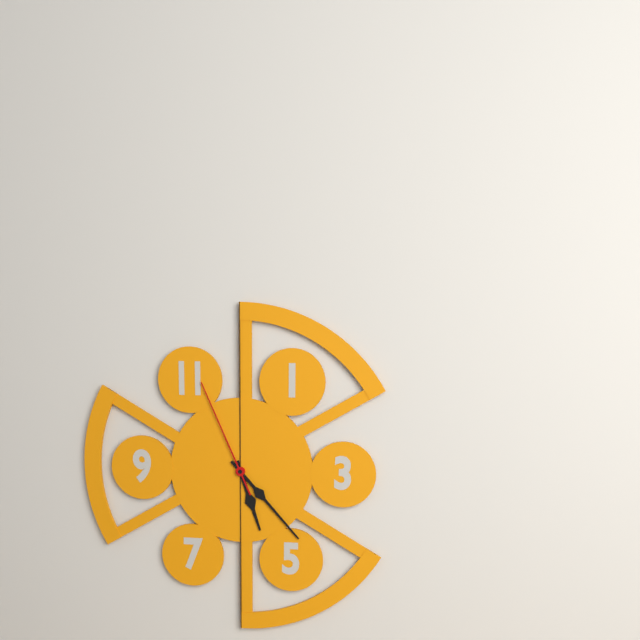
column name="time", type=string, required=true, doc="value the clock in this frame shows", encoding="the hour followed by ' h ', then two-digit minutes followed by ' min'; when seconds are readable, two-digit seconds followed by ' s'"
5 h 23 min 56 s
